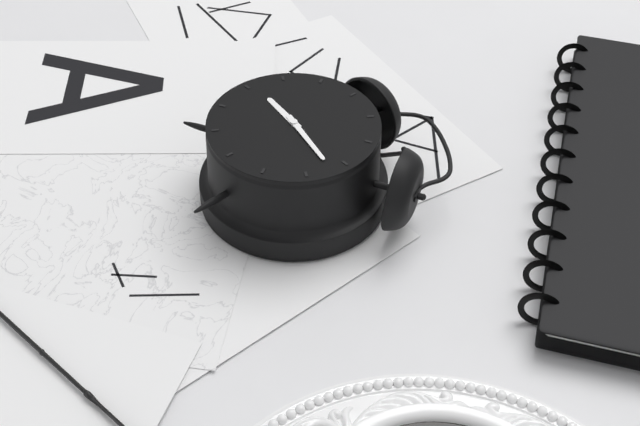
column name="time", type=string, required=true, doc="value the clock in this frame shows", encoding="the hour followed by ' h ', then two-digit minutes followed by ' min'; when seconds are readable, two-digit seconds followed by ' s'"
8 h 12 min
